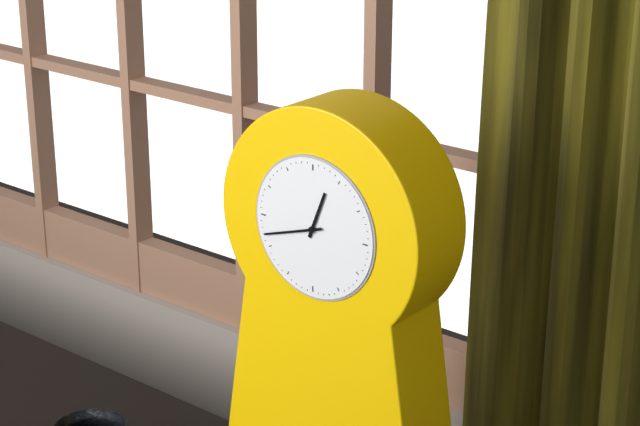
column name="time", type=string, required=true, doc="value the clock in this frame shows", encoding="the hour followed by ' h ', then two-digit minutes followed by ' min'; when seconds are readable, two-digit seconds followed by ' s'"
12 h 42 min
